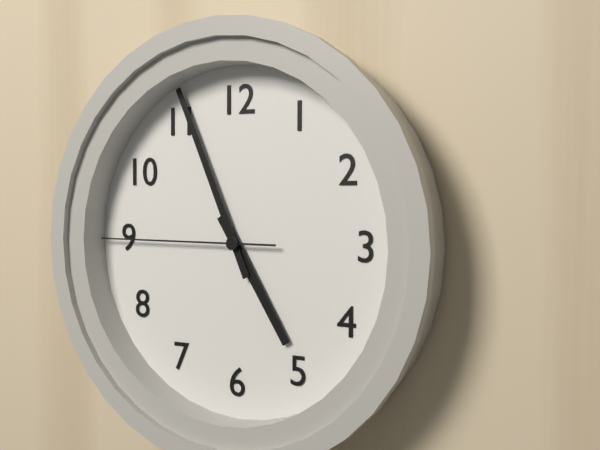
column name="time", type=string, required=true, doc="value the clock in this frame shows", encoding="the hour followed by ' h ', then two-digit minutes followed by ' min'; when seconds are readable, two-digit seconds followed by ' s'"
4 h 56 min 45 s
